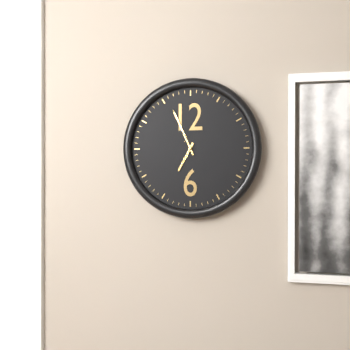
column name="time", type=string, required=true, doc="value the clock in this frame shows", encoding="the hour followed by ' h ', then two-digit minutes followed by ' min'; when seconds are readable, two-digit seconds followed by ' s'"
6 h 56 min
